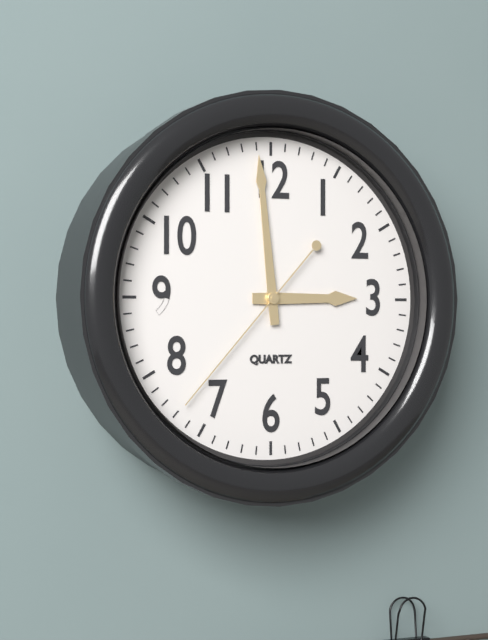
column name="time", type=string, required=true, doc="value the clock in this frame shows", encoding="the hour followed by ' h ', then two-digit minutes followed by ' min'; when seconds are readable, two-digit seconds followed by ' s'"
2 h 59 min 37 s
